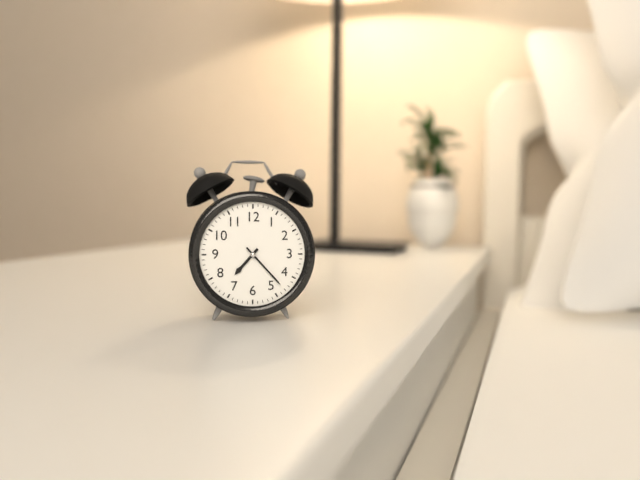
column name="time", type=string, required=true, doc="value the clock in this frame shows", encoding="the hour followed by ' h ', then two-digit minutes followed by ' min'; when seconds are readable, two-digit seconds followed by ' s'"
7 h 23 min
